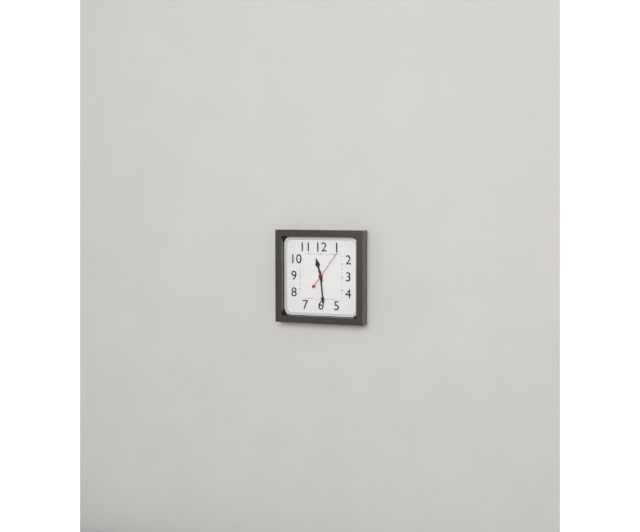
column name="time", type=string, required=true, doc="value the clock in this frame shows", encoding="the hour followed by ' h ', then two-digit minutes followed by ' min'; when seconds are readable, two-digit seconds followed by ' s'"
11 h 29 min
